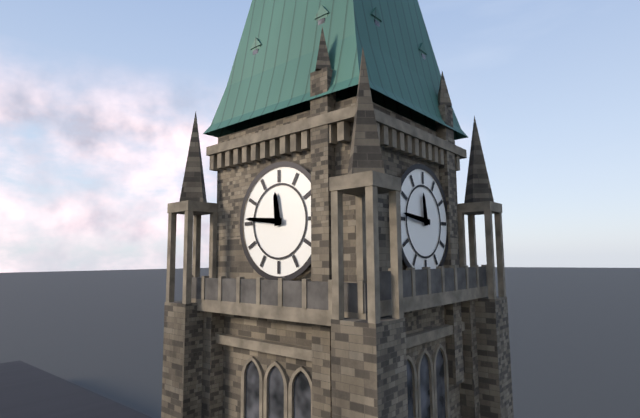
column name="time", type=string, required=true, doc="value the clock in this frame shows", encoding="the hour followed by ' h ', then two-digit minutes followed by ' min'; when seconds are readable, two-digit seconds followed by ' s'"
11 h 46 min
